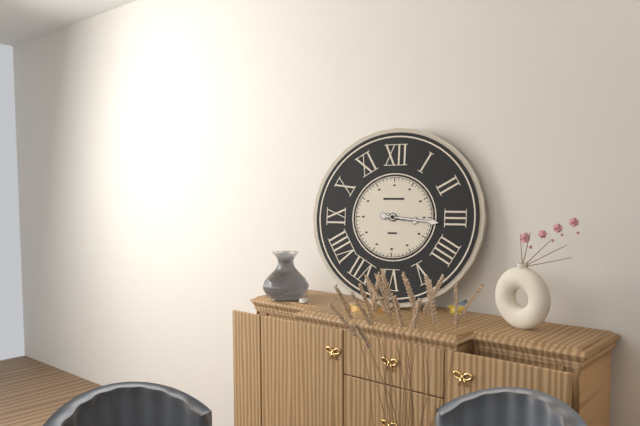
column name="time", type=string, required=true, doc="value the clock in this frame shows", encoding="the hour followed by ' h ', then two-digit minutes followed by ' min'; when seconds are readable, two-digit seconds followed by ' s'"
3 h 16 min
